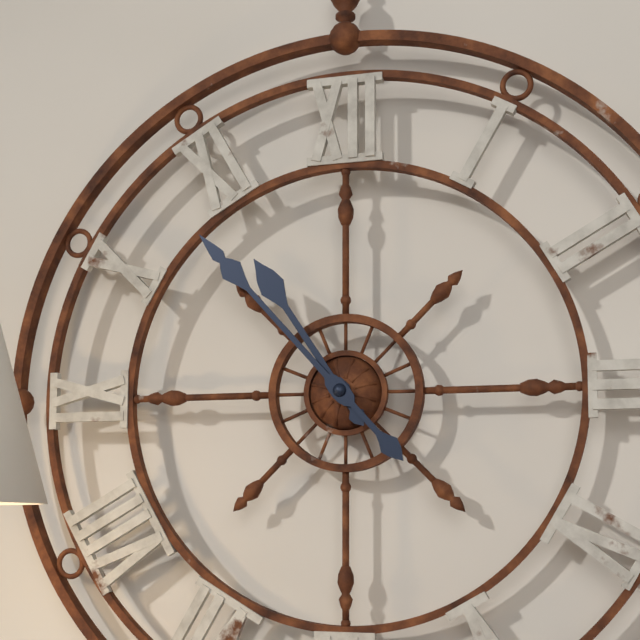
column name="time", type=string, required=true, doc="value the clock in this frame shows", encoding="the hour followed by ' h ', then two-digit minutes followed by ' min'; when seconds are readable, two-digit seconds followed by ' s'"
10 h 53 min
